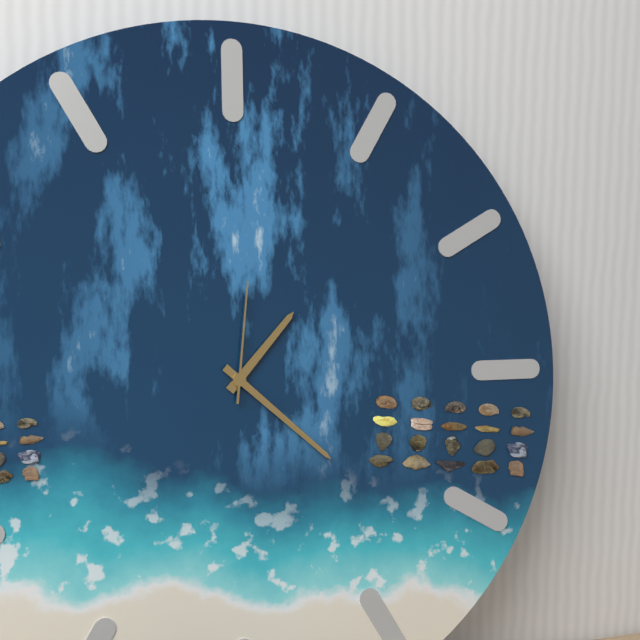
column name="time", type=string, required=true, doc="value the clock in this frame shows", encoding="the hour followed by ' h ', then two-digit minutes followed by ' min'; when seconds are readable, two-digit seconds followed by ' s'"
1 h 22 min 01 s
